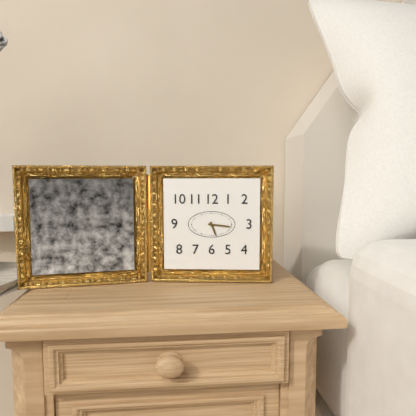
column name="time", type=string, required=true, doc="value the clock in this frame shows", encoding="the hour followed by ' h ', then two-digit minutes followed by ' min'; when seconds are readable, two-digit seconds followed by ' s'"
5 h 16 min
